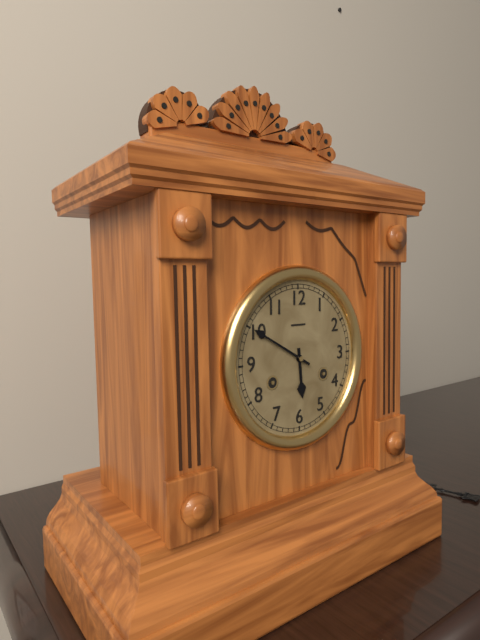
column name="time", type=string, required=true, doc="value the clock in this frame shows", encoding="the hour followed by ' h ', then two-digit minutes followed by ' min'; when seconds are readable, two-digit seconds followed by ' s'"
5 h 50 min
